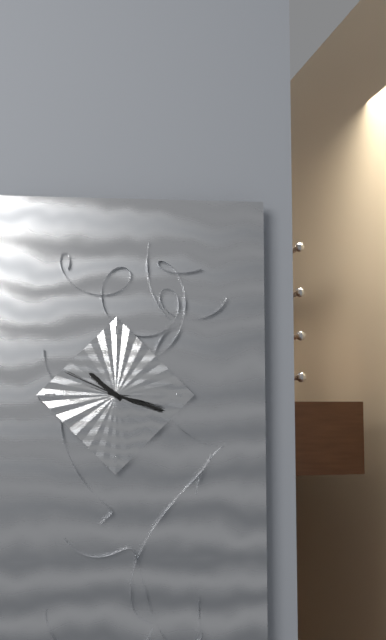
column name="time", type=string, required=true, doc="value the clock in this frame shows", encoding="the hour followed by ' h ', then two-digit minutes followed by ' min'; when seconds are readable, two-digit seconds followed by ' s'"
10 h 18 min 49 s
